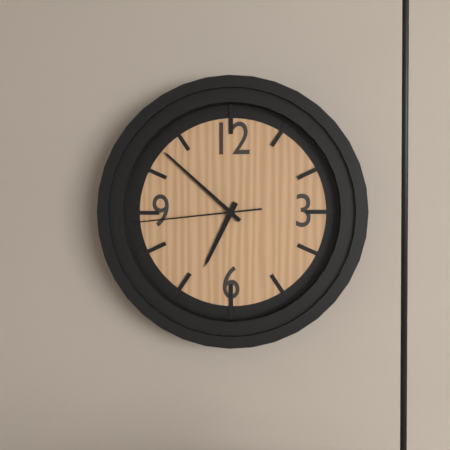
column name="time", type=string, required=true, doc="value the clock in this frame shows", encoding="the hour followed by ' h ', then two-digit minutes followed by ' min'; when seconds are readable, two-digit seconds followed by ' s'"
6 h 52 min 44 s
